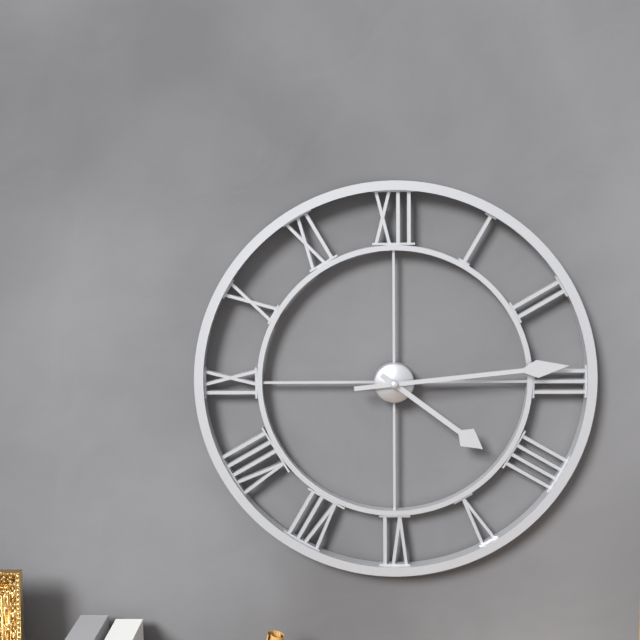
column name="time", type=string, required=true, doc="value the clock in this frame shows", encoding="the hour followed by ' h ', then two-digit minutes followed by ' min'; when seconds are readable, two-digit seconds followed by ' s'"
4 h 14 min
